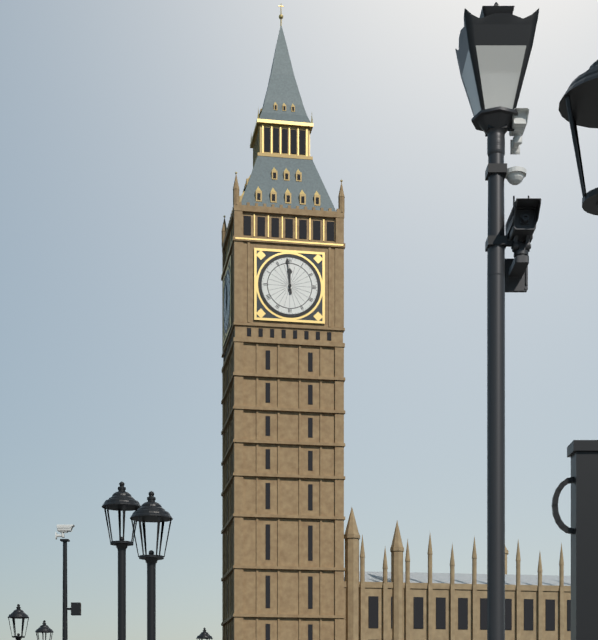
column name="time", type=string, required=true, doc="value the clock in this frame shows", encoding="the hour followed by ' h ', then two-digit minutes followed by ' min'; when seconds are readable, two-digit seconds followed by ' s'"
11 h 59 min
